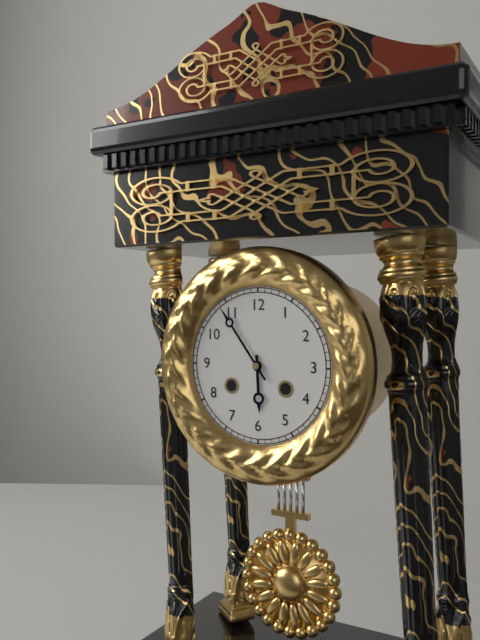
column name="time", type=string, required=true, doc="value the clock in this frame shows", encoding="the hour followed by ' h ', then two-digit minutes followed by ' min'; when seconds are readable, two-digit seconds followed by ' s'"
5 h 54 min
